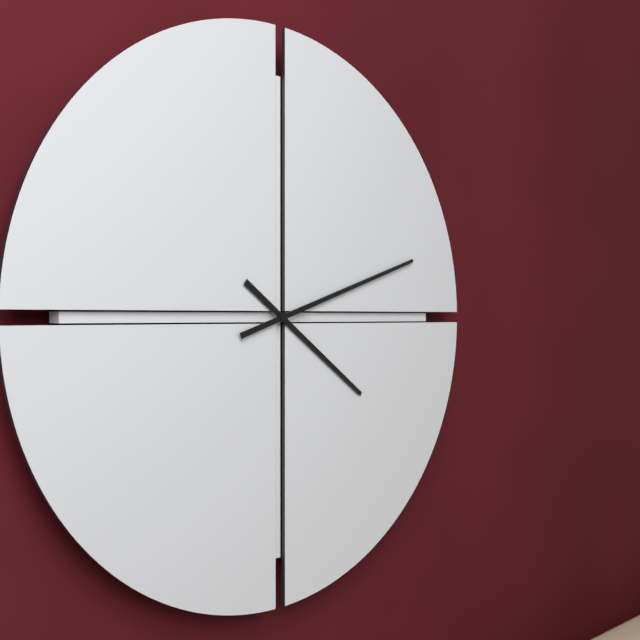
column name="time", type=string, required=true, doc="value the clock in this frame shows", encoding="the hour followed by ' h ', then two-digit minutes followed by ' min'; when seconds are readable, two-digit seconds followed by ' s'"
4 h 12 min
